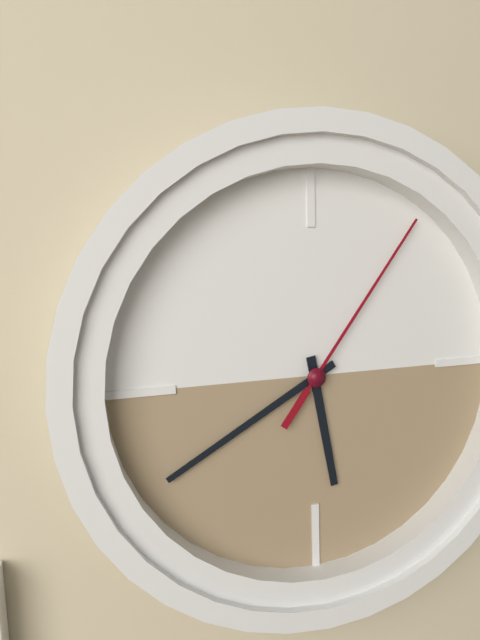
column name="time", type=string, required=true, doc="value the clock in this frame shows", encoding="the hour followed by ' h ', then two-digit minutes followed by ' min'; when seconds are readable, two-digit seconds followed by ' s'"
5 h 40 min 06 s
